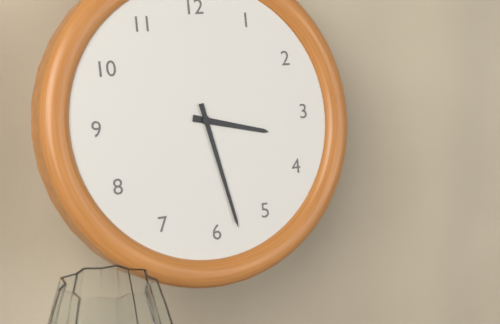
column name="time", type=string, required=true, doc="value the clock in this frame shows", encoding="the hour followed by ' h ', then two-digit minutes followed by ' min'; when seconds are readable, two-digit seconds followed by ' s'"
3 h 28 min
